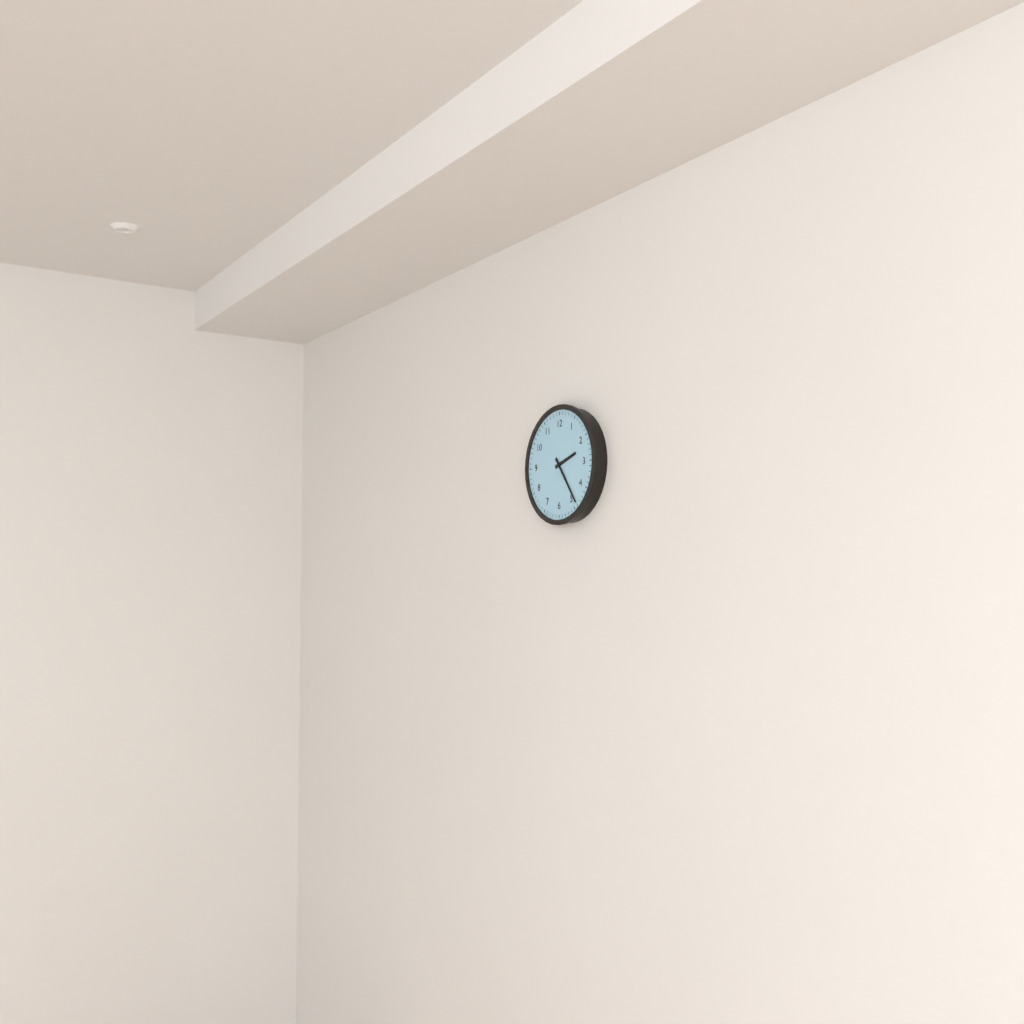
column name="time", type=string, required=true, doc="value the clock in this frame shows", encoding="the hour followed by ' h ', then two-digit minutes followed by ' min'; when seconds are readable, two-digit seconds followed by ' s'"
2 h 24 min
